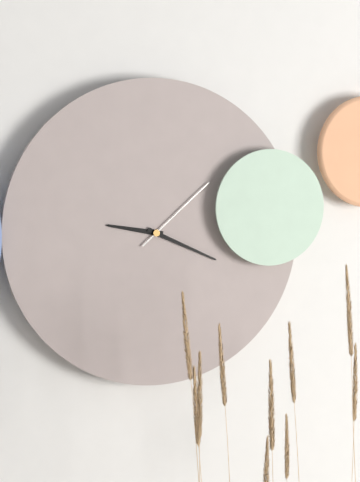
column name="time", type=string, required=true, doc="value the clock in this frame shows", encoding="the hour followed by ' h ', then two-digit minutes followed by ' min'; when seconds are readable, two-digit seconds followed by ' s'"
9 h 19 min 08 s
